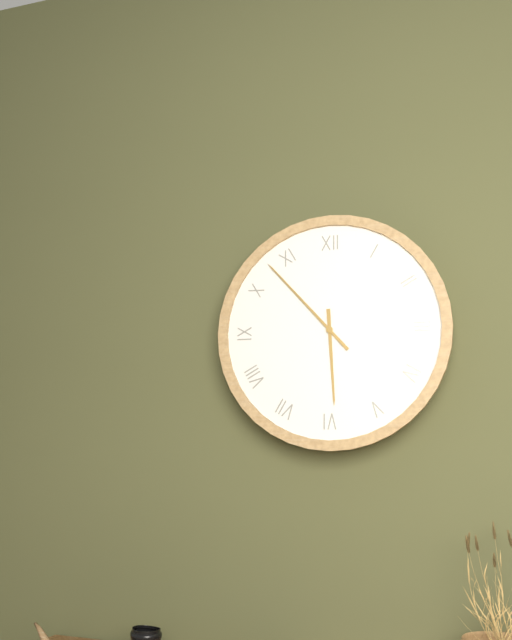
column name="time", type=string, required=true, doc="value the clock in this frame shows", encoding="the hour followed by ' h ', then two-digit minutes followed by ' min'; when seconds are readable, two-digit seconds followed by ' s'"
5 h 53 min
